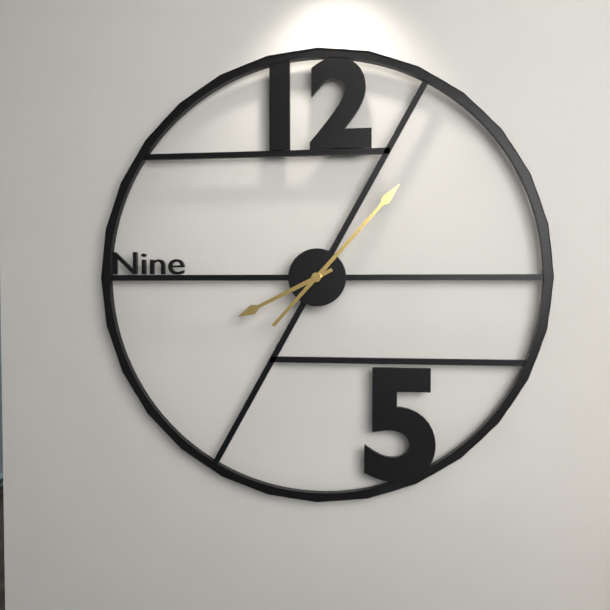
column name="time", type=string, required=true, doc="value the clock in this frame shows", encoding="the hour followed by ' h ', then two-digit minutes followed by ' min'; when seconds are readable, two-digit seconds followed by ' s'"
8 h 07 min
